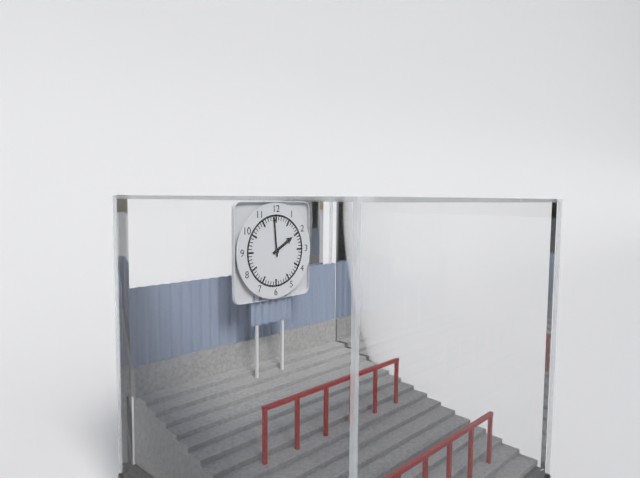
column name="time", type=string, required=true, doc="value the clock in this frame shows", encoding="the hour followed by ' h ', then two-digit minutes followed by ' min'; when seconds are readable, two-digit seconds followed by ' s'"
1 h 59 min
